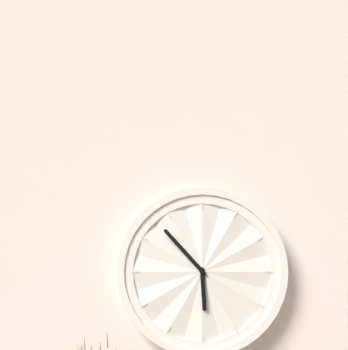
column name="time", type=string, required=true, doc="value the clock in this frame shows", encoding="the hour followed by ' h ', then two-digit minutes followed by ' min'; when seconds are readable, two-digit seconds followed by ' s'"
5 h 53 min
